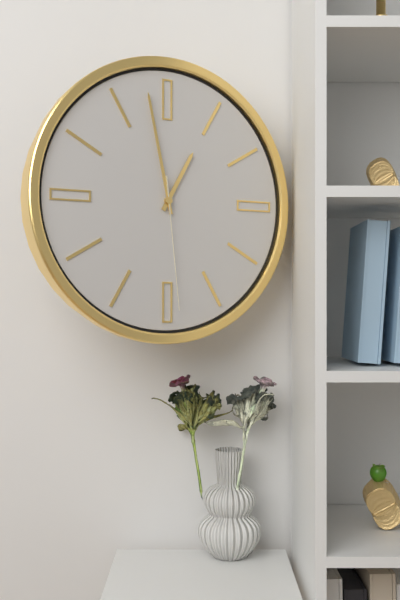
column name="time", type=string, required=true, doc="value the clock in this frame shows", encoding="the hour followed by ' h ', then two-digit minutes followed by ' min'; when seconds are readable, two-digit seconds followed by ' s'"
12 h 58 min 29 s
